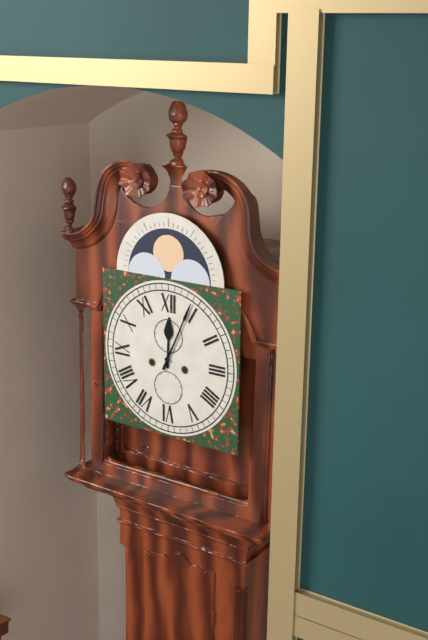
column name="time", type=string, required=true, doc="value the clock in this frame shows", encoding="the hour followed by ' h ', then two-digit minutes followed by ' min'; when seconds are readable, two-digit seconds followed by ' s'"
12 h 04 min
